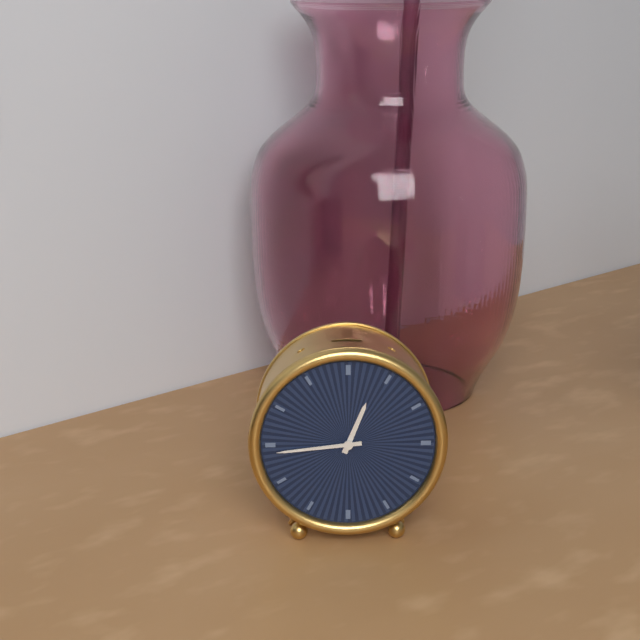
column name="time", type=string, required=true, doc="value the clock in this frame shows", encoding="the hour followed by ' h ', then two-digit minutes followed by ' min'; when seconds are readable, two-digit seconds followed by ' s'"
12 h 44 min
